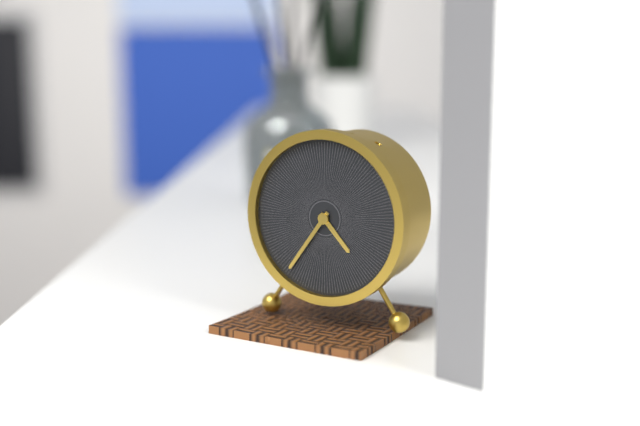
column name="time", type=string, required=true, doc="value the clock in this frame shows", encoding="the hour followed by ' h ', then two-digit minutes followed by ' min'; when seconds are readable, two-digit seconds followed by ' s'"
4 h 36 min
